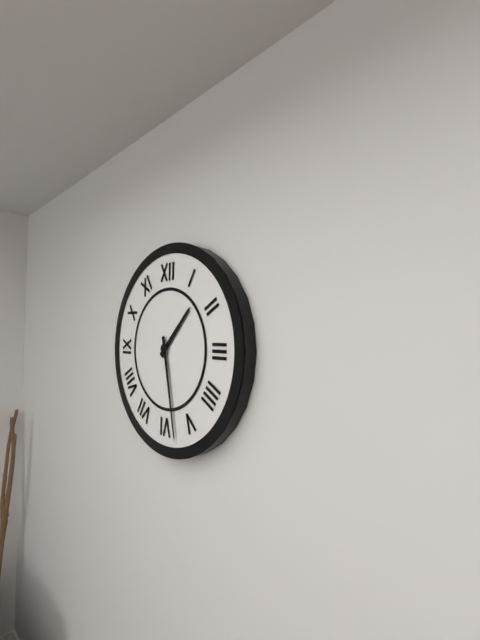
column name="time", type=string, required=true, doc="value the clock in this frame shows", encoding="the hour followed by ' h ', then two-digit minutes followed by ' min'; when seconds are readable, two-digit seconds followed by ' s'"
1 h 28 min
